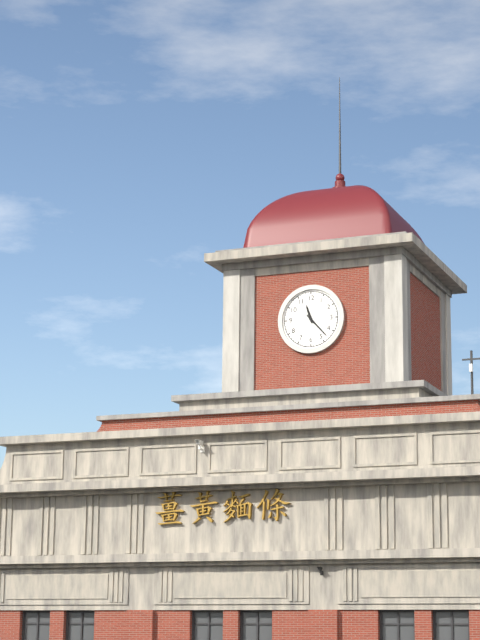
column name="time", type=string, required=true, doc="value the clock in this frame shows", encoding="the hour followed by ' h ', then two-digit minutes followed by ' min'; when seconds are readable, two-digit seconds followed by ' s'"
11 h 23 min
